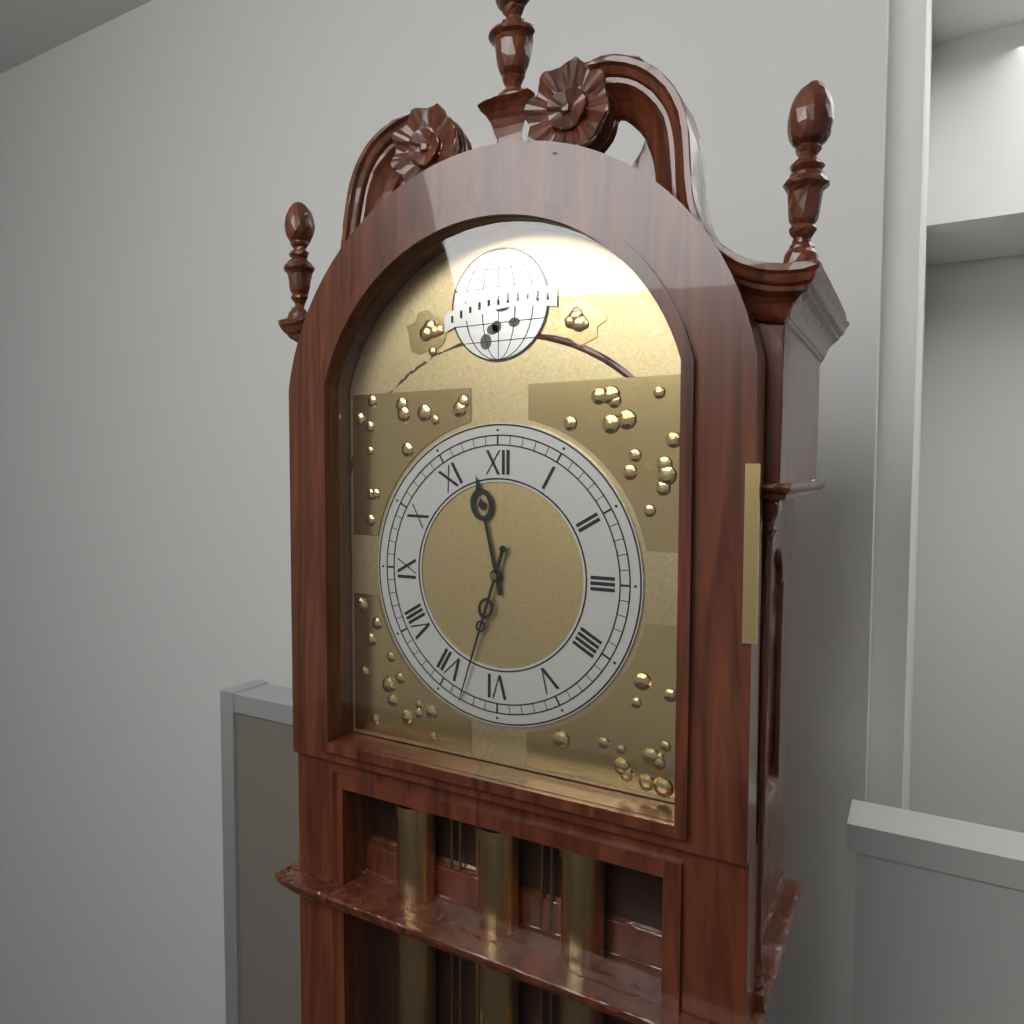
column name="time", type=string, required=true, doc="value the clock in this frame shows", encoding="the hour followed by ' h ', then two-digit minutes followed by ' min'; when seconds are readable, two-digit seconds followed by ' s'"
11 h 33 min
